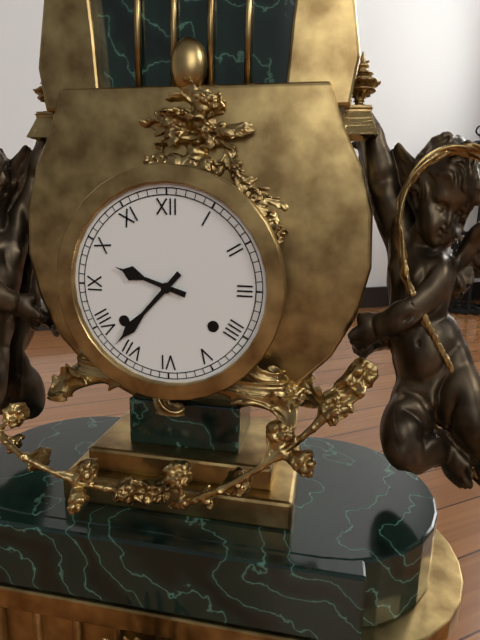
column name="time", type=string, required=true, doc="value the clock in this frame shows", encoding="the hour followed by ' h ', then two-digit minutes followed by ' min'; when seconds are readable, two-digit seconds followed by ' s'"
9 h 37 min
